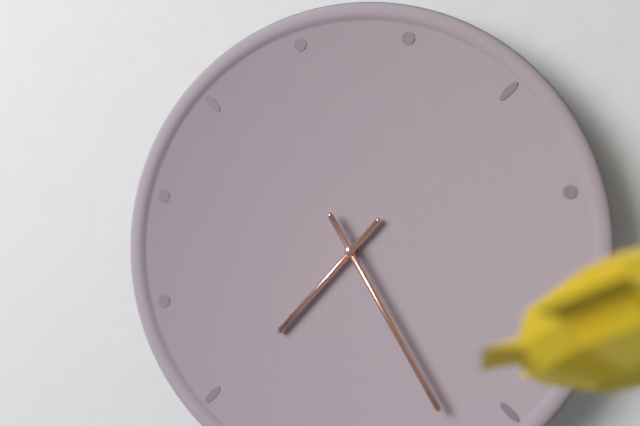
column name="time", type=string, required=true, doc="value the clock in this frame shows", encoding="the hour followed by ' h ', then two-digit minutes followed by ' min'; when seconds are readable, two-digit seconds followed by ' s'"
7 h 25 min
